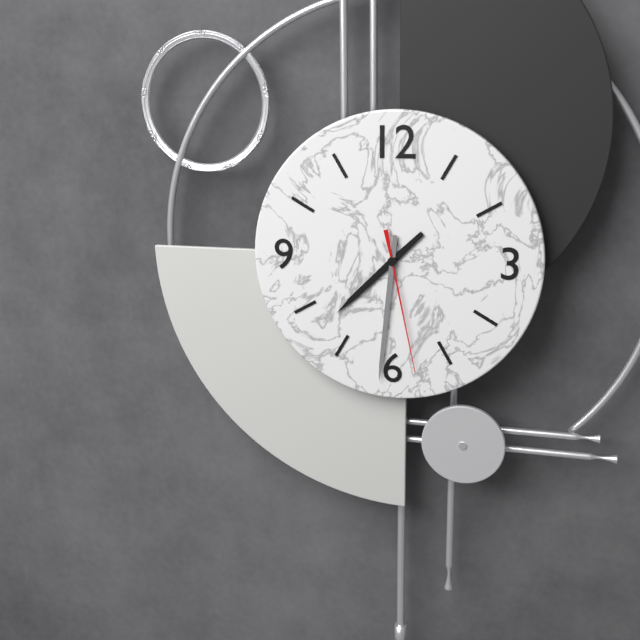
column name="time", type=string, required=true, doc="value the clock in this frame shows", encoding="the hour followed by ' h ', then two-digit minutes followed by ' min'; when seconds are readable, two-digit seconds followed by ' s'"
7 h 31 min 28 s
